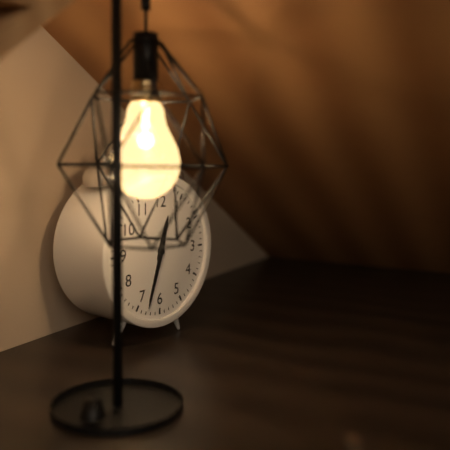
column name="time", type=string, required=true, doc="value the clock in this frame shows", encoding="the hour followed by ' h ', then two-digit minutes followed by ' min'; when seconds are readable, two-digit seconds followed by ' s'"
12 h 33 min
